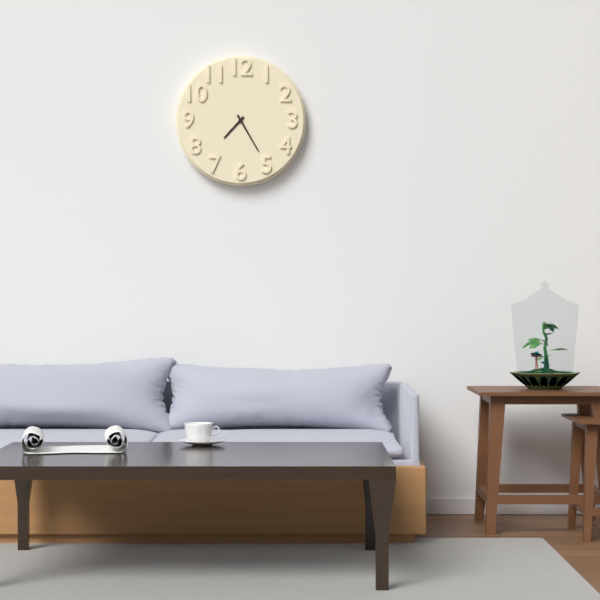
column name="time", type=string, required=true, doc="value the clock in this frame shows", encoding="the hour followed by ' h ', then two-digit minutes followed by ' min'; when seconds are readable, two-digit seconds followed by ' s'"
7 h 25 min
